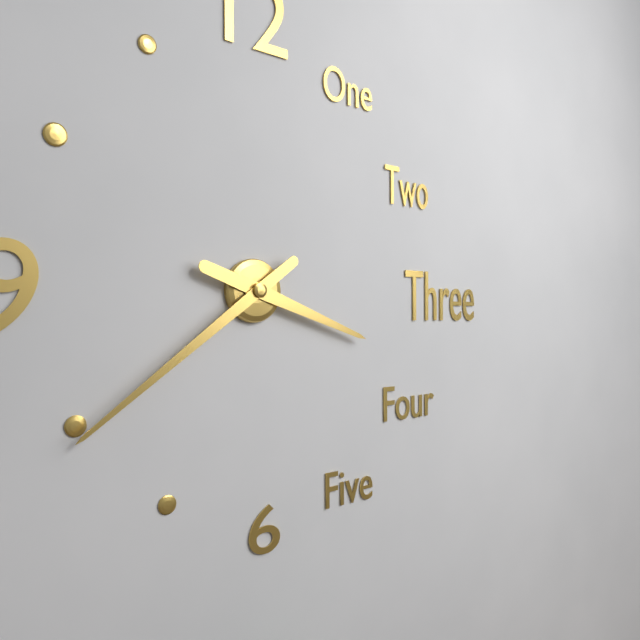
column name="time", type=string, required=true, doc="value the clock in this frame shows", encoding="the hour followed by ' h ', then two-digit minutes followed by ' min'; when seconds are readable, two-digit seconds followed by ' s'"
3 h 39 min
